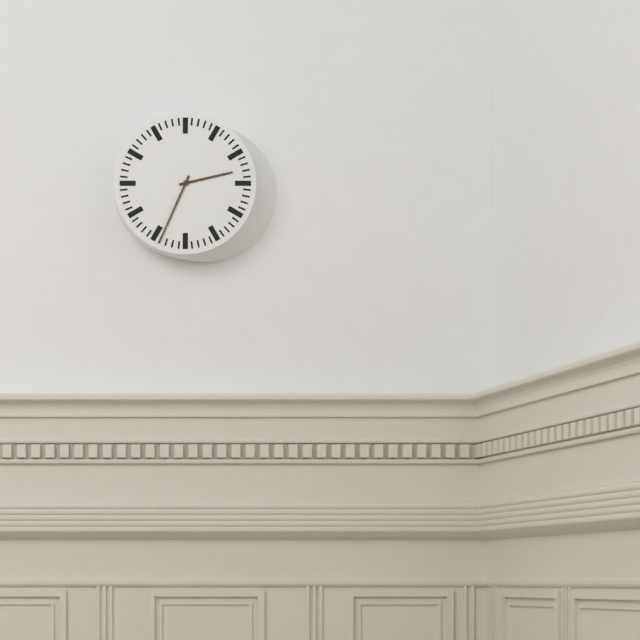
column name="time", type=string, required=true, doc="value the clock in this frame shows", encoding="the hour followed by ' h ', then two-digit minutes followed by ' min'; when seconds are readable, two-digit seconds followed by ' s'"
2 h 34 min
